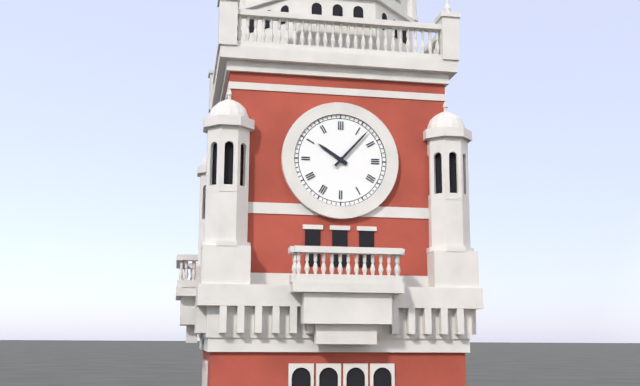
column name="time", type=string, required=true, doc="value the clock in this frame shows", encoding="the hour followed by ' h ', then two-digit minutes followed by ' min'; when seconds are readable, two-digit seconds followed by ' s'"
10 h 07 min
